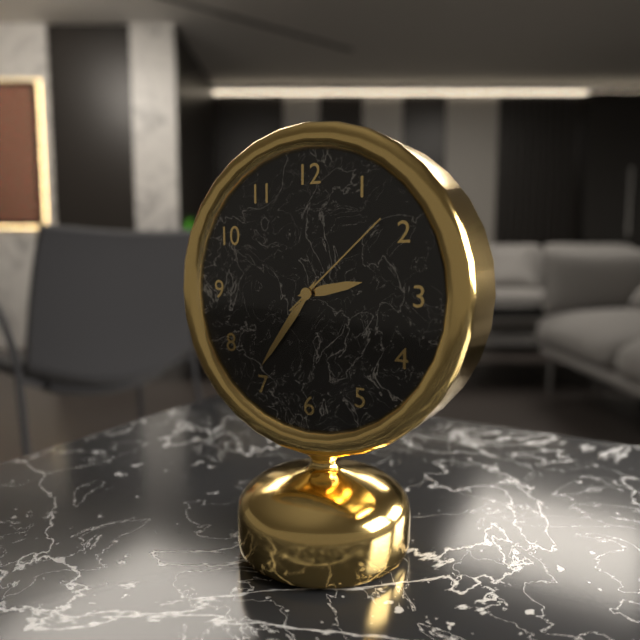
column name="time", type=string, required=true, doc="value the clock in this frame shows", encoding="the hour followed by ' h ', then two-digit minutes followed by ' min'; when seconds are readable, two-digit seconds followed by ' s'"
2 h 36 min 08 s
